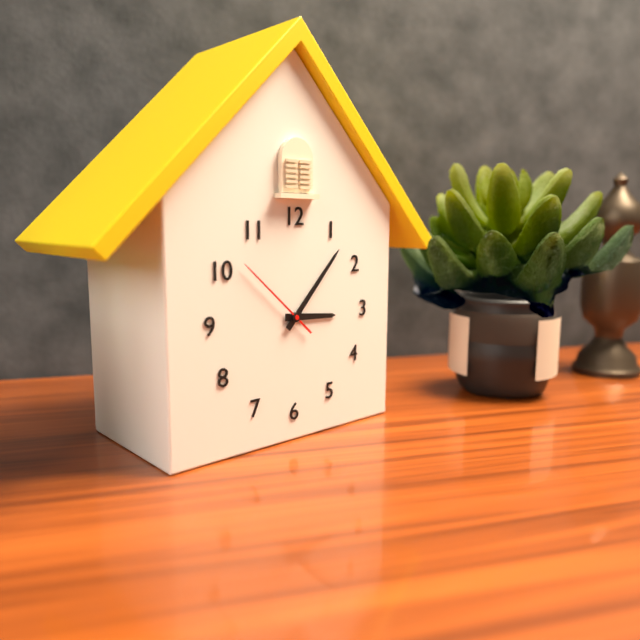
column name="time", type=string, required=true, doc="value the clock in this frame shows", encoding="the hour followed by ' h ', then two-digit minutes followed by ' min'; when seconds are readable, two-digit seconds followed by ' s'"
3 h 07 min 52 s
